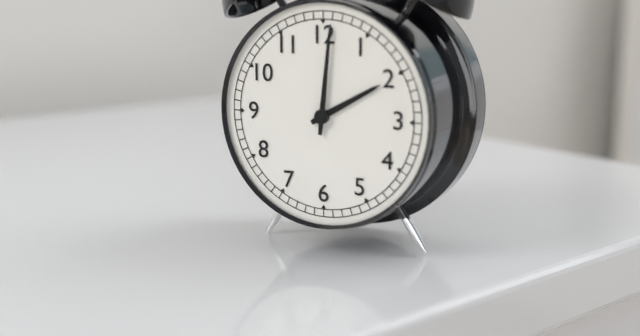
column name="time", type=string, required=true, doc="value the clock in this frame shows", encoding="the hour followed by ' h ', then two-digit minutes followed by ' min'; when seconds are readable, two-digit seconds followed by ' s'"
2 h 01 min
